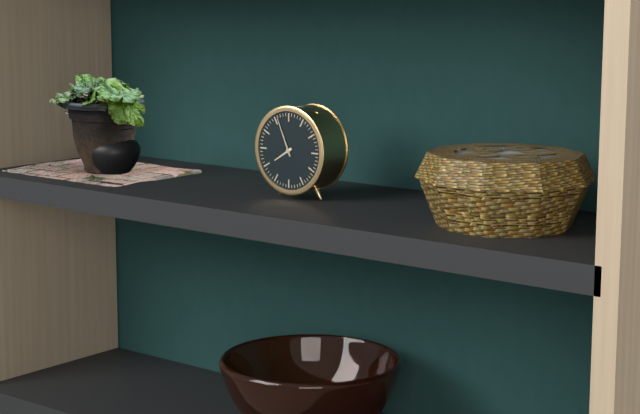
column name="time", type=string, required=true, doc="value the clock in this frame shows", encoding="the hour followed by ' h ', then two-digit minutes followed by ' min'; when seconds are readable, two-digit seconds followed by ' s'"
7 h 56 min
